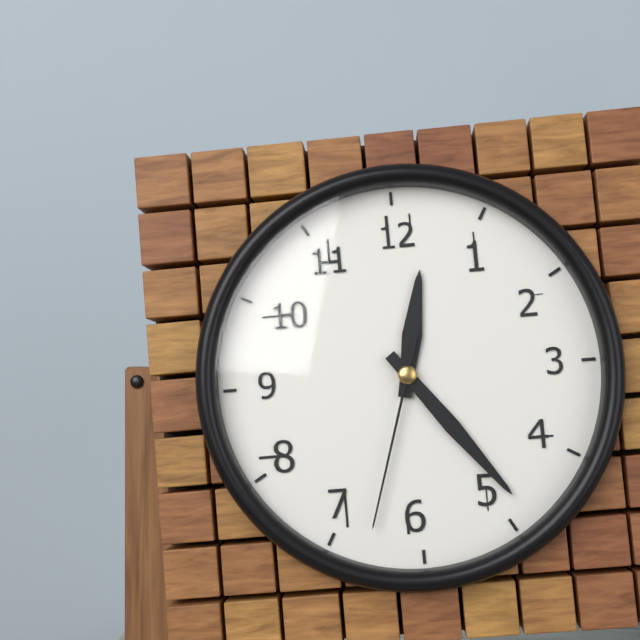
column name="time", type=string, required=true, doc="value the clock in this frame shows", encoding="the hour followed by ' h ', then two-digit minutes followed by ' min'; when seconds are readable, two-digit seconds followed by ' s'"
12 h 24 min 33 s
